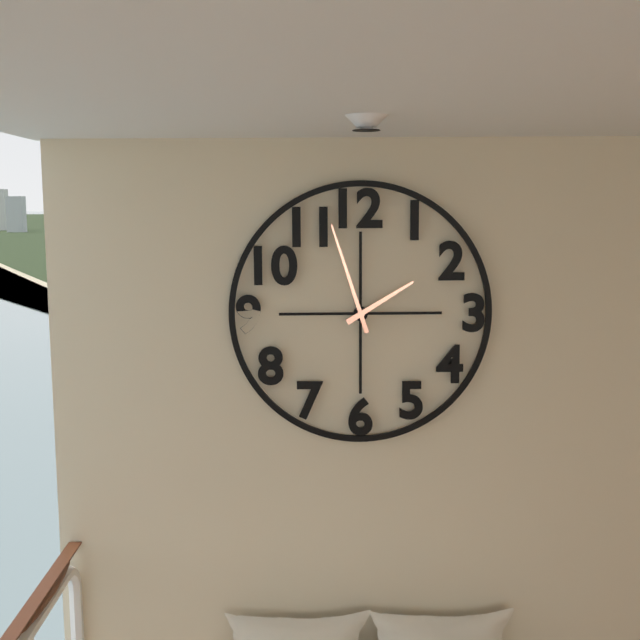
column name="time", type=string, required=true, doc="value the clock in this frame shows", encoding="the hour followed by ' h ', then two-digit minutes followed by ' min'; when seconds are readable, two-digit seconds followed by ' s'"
1 h 57 min
